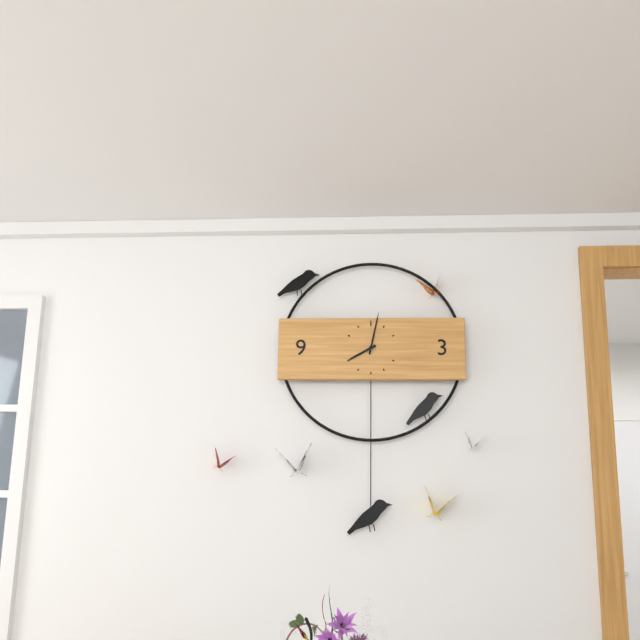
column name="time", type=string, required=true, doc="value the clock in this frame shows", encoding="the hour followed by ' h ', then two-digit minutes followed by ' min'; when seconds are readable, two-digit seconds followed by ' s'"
8 h 02 min
